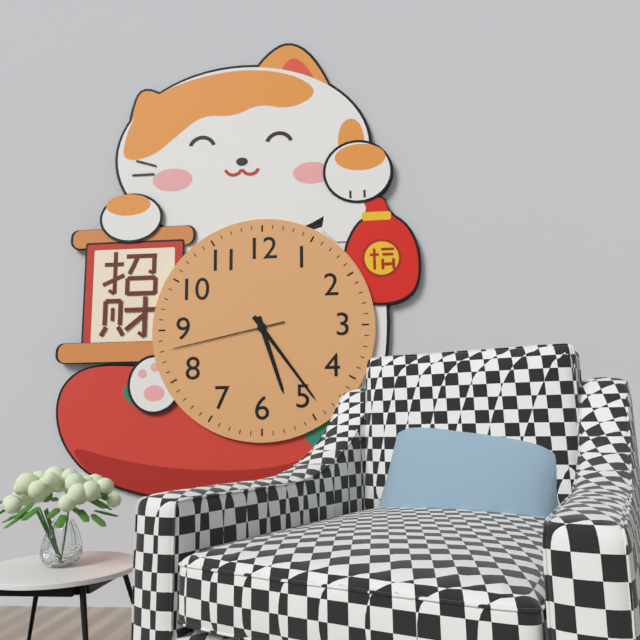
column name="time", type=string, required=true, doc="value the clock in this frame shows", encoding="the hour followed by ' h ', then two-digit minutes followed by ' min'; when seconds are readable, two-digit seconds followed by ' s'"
5 h 24 min 43 s
